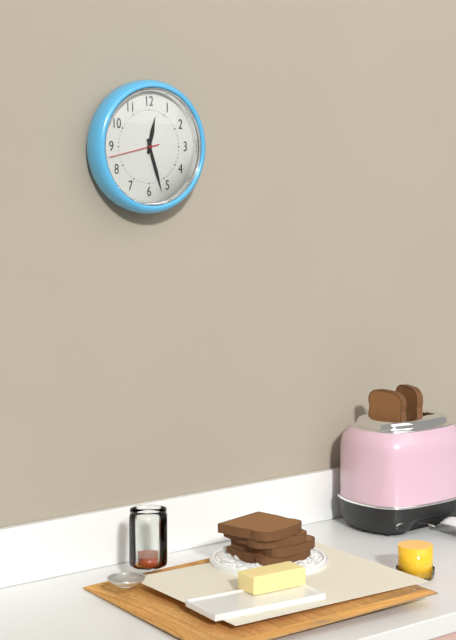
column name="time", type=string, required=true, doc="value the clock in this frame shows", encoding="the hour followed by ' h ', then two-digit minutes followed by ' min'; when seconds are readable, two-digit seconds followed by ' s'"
12 h 27 min 43 s
